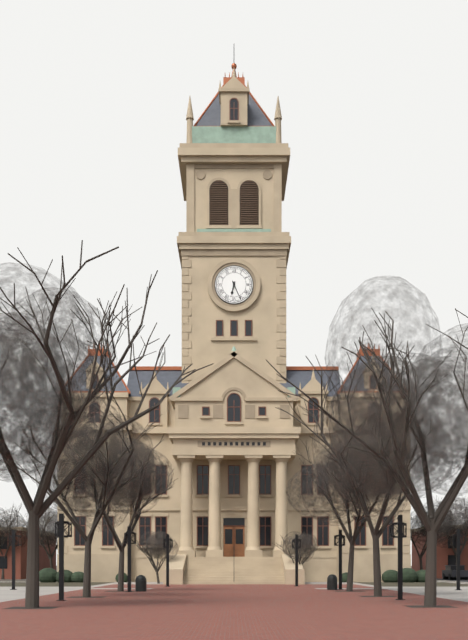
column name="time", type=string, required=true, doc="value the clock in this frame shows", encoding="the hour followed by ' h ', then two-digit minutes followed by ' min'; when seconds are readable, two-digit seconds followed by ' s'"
6 h 26 min
